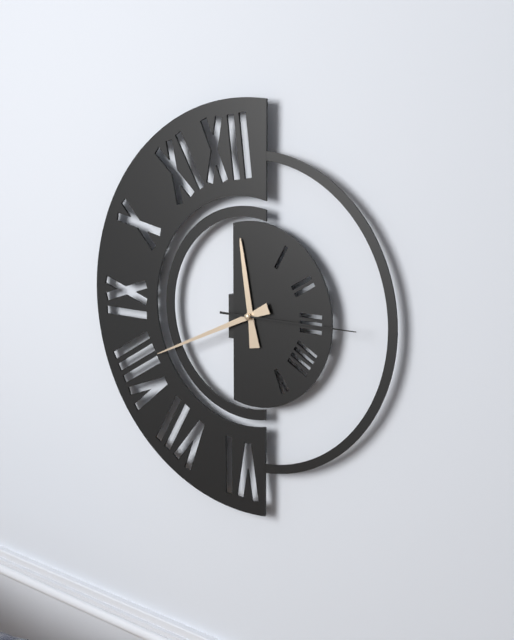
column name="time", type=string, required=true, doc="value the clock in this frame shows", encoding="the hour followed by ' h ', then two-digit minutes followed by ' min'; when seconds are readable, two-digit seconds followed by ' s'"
11 h 41 min 15 s
